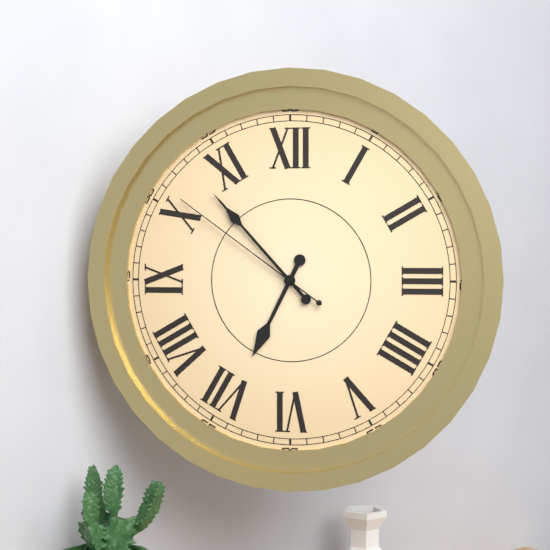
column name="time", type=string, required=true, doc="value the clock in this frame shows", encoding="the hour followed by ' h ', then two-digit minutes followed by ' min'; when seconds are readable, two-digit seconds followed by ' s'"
6 h 53 min 51 s
